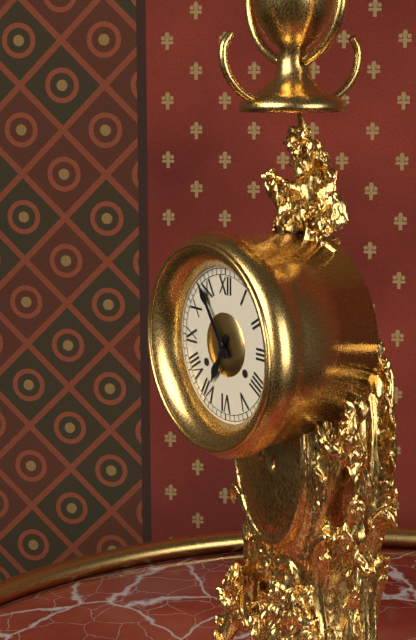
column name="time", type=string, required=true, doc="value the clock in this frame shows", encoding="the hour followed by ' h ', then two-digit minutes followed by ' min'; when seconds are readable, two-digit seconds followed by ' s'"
6 h 54 min
